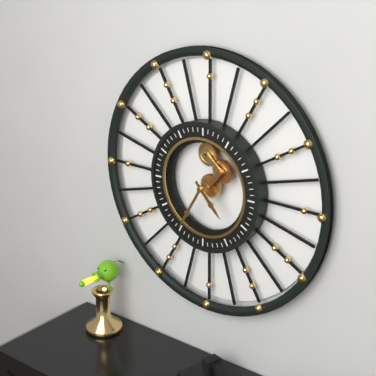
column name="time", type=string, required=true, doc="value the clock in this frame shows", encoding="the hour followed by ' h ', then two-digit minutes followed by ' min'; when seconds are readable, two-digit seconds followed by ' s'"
4 h 35 min
